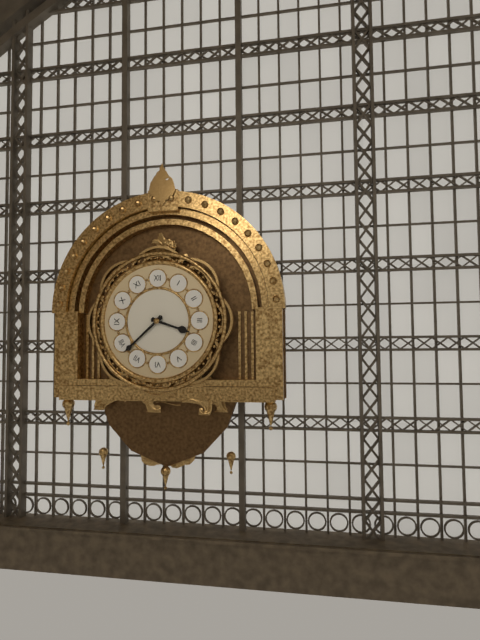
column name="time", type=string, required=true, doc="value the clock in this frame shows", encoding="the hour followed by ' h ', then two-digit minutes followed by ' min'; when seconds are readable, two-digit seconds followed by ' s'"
3 h 38 min
